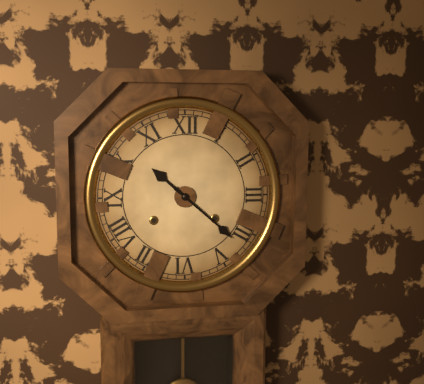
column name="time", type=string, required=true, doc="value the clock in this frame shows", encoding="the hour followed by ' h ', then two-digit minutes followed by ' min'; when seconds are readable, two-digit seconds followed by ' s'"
10 h 22 min
